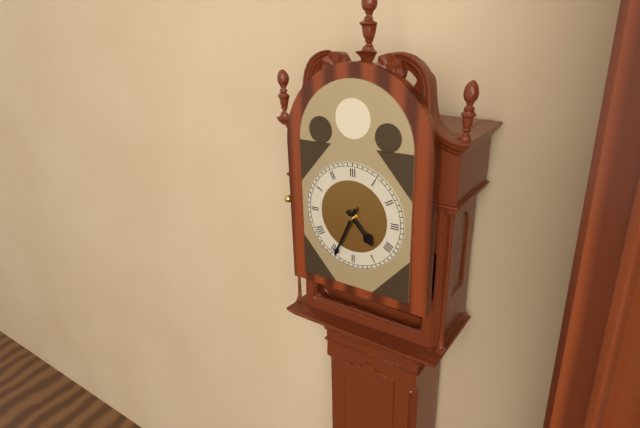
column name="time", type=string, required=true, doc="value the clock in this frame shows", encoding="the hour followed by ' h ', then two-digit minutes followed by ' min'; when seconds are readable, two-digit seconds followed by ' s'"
4 h 34 min
